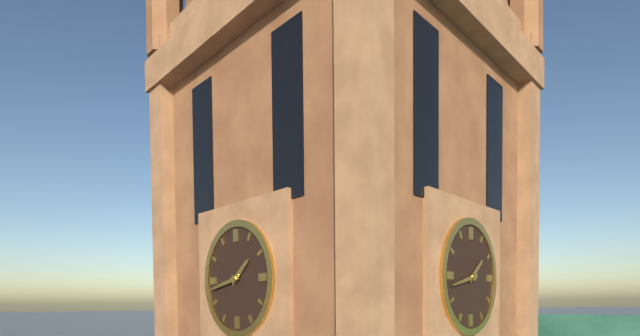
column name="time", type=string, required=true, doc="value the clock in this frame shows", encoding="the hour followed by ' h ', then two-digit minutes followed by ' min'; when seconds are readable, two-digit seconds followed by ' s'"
1 h 43 min
